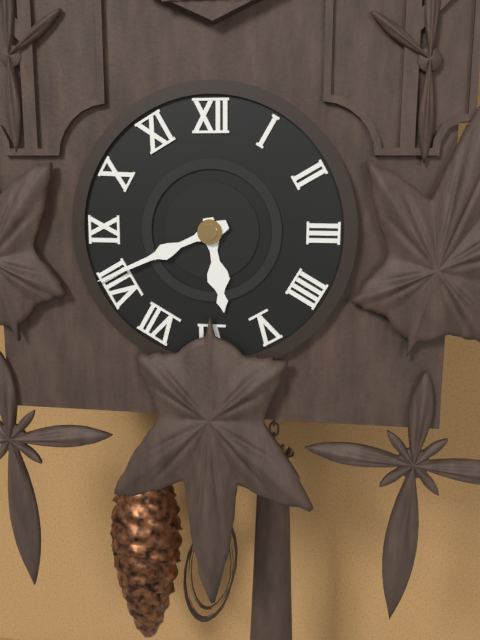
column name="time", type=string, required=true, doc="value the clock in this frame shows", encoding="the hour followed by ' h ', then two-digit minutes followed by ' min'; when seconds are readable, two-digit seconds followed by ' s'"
5 h 41 min
